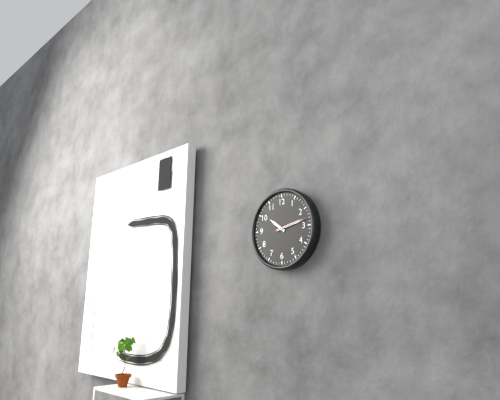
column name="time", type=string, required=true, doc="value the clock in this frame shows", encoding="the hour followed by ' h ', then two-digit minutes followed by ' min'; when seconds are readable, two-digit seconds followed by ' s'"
10 h 13 min
